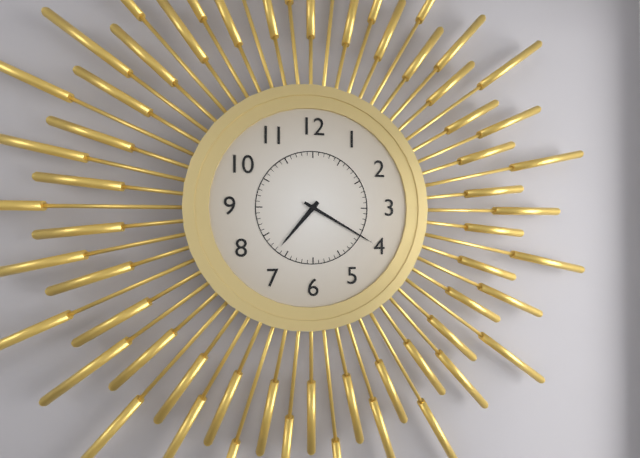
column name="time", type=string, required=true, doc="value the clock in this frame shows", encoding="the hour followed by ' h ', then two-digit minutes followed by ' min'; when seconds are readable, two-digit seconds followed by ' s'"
7 h 20 min
